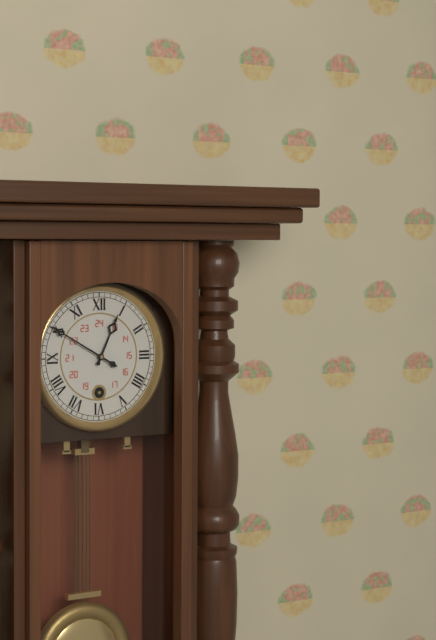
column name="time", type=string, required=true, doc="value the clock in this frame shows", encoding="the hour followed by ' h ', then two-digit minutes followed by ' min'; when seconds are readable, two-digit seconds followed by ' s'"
12 h 50 min
